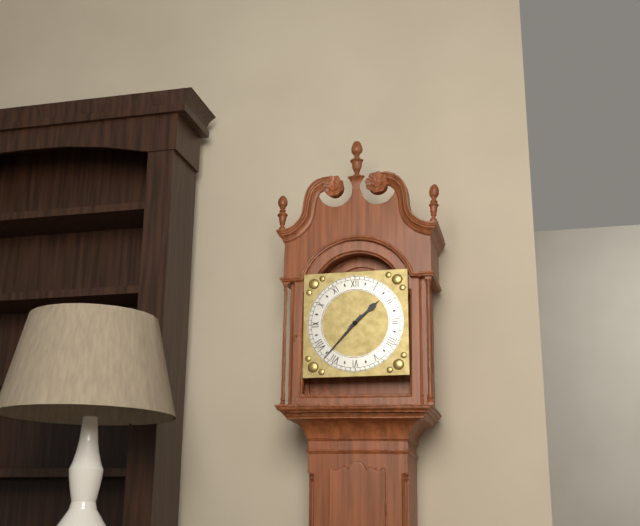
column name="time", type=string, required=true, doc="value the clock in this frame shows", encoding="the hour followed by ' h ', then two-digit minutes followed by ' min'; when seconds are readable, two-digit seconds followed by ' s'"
1 h 37 min
